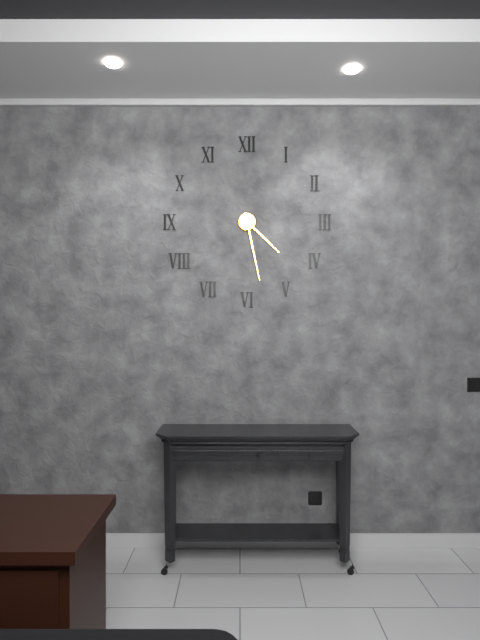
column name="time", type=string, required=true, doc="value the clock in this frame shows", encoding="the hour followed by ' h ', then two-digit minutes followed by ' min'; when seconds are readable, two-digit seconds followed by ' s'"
4 h 28 min
